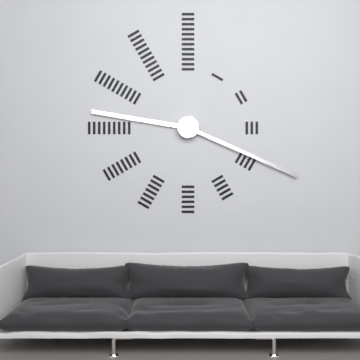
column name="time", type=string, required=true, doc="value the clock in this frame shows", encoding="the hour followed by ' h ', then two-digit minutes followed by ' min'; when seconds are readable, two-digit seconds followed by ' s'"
9 h 19 min
